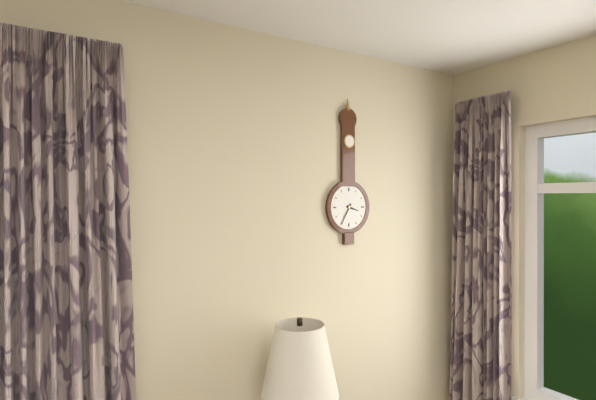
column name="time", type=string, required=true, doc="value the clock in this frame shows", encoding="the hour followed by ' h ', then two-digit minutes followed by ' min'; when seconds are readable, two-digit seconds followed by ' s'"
3 h 35 min
